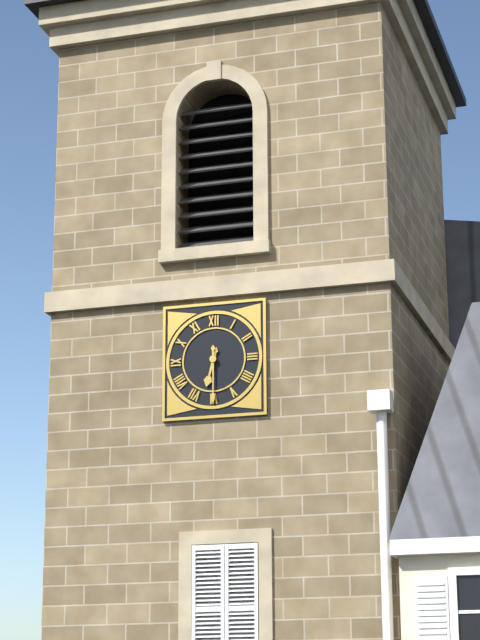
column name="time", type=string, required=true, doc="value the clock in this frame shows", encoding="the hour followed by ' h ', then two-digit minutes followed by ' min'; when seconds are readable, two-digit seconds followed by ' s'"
6 h 30 min
